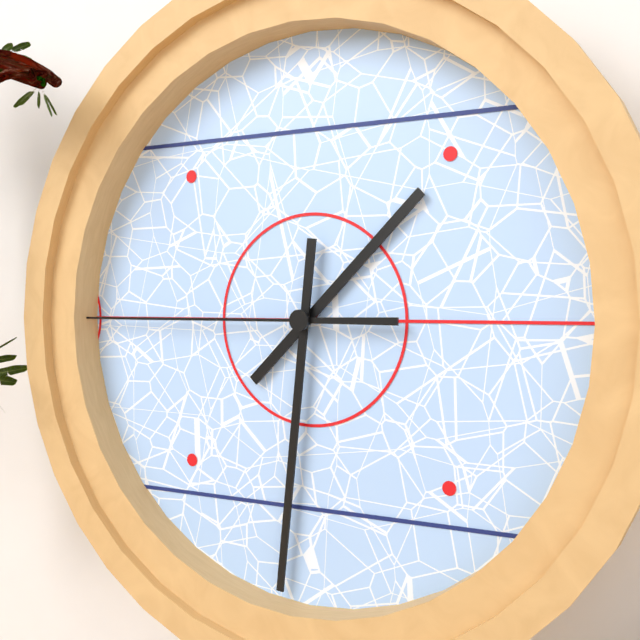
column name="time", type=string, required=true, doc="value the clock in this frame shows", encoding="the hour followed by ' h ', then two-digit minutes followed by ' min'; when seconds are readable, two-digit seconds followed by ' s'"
1 h 31 min 45 s
